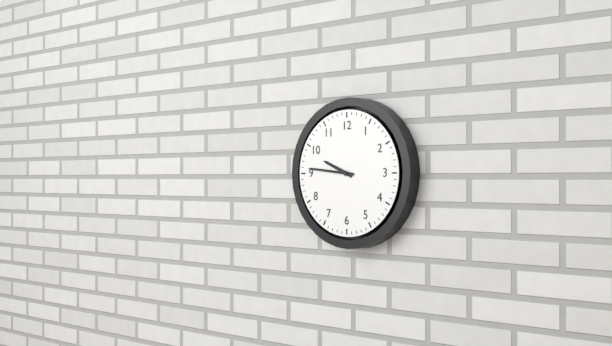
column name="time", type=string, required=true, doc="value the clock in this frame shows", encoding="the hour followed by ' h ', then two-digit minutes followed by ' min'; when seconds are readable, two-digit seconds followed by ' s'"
9 h 46 min
